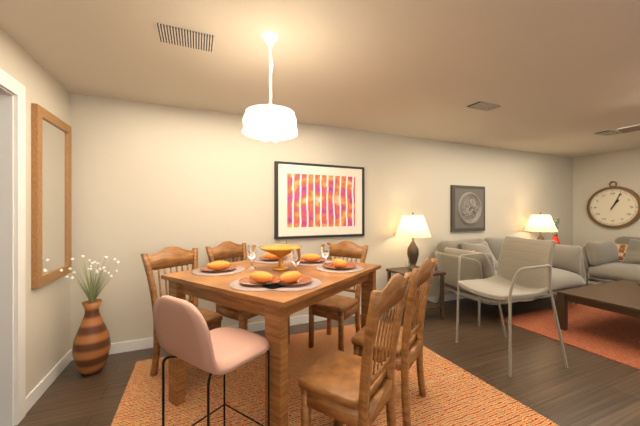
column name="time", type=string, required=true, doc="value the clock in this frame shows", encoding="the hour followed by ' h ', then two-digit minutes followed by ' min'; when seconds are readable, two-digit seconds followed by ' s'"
1 h 04 min
